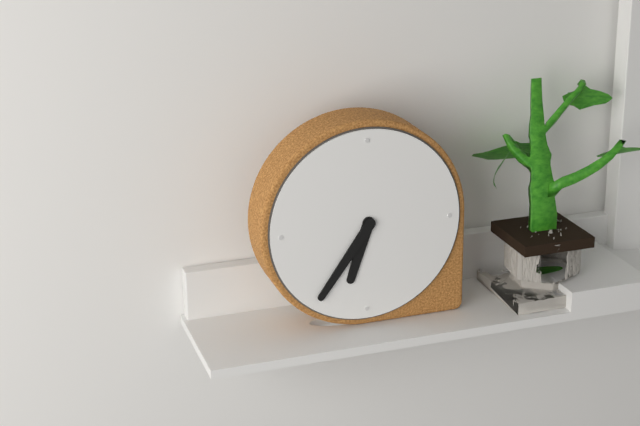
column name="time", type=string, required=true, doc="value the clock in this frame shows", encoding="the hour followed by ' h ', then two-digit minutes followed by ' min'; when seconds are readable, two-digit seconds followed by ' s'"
6 h 36 min
